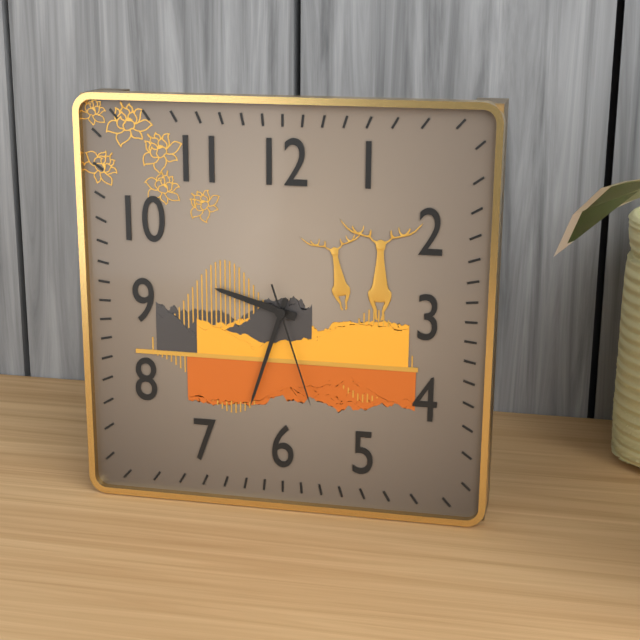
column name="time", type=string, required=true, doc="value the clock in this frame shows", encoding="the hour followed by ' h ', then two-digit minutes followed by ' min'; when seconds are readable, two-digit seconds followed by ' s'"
9 h 33 min 27 s
